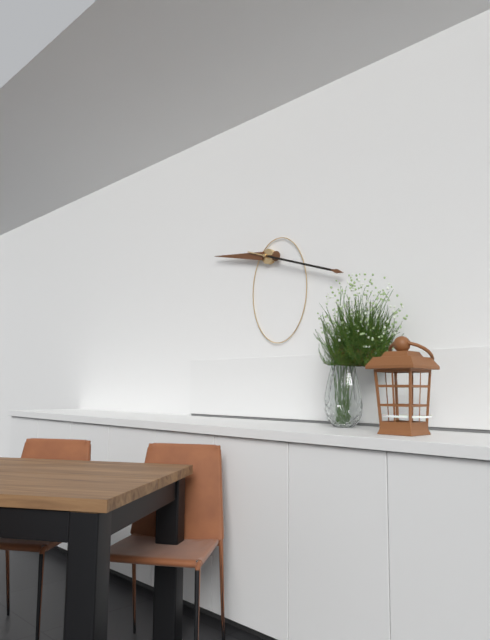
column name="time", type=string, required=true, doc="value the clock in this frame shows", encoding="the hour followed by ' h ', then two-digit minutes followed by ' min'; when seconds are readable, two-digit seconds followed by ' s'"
9 h 18 min
